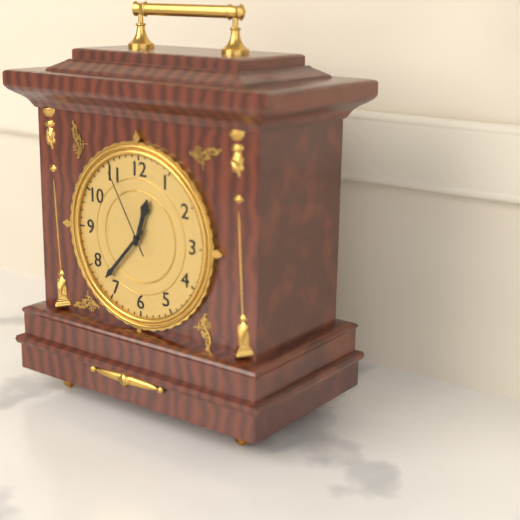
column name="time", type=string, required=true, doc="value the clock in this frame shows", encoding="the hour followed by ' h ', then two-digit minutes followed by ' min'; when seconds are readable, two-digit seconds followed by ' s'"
12 h 37 min 55 s
